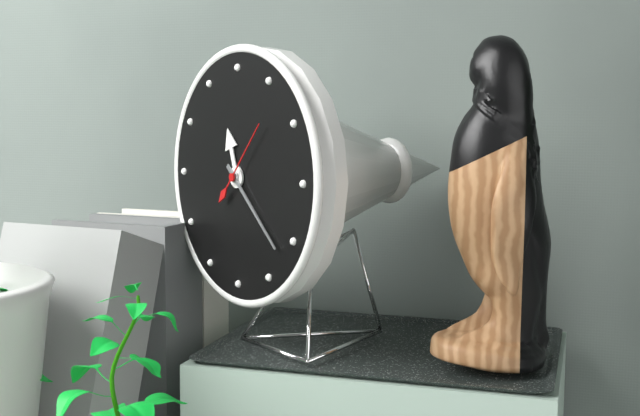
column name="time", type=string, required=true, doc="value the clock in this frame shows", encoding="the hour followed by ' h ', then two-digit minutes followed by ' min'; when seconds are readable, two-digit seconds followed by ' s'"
11 h 22 min 07 s
